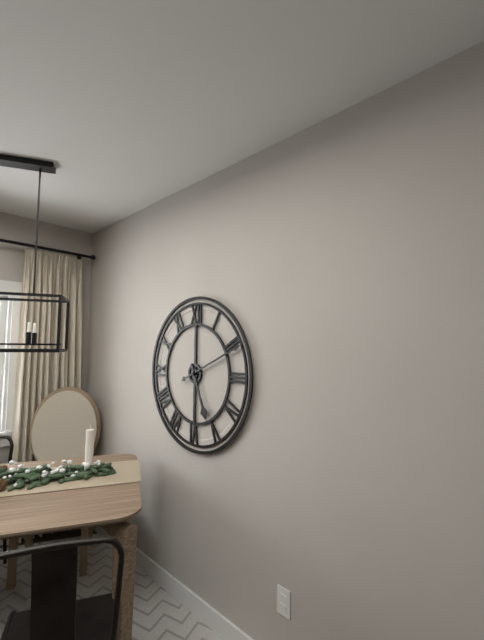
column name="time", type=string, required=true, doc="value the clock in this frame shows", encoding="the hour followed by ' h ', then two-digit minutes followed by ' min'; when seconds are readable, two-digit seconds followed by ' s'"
5 h 11 min
